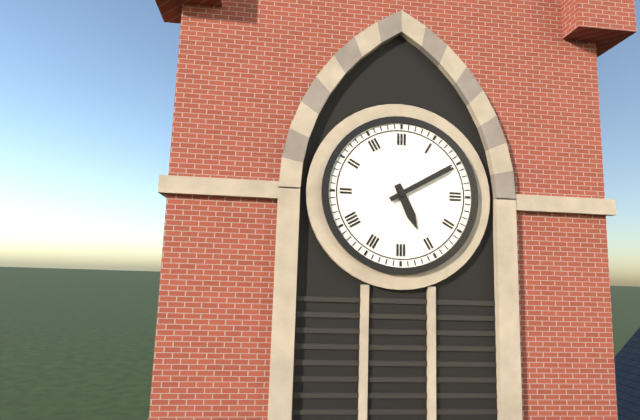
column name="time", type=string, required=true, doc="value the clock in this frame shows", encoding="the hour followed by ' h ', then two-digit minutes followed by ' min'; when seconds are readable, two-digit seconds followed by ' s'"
5 h 10 min
